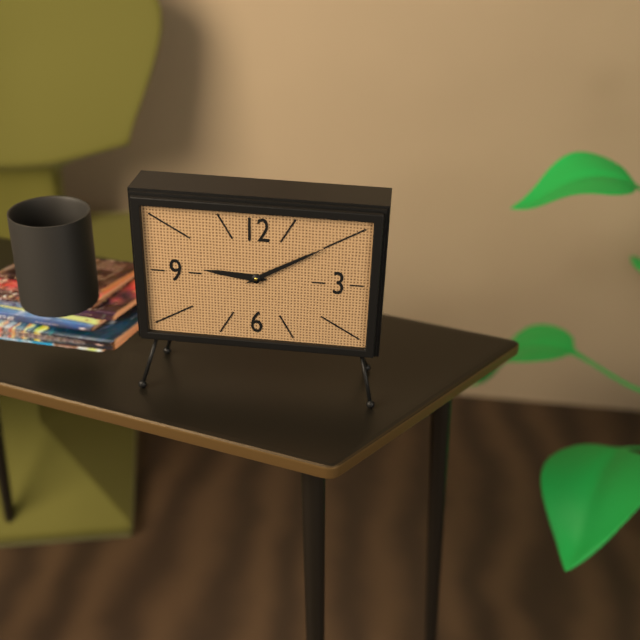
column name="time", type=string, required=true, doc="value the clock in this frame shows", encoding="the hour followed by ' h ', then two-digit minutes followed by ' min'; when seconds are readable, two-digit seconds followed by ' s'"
9 h 10 min
